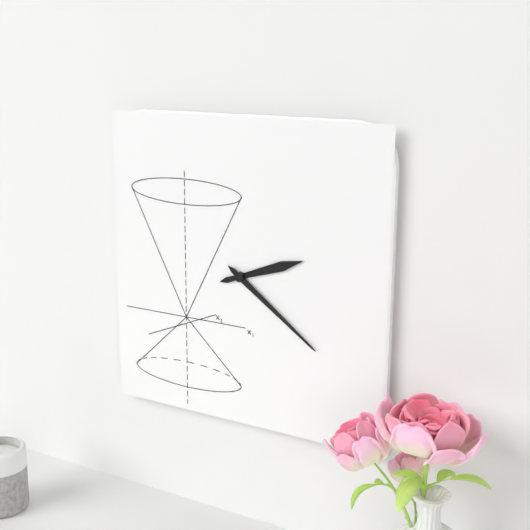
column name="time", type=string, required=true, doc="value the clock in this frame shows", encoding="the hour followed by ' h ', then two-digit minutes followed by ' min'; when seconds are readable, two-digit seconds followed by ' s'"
2 h 21 min
